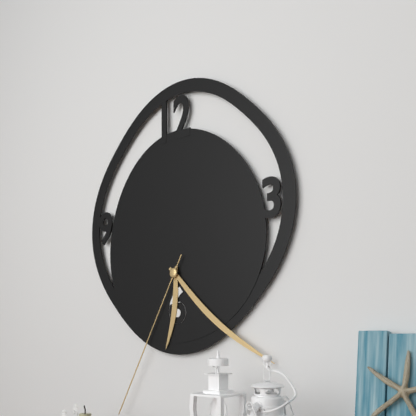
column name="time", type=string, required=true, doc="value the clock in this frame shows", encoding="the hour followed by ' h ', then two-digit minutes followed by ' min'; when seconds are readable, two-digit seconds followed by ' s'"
6 h 21 min 35 s
